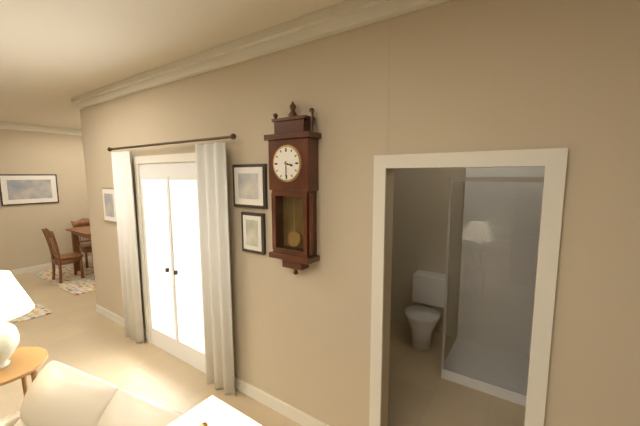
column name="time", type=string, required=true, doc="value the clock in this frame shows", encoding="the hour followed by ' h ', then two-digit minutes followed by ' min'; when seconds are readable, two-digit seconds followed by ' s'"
3 h 30 min
